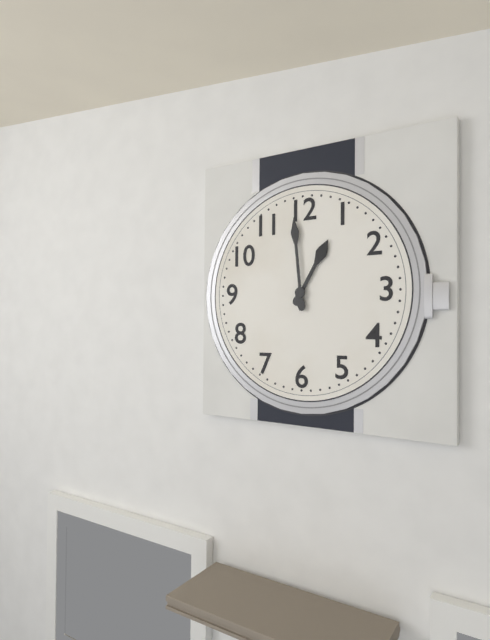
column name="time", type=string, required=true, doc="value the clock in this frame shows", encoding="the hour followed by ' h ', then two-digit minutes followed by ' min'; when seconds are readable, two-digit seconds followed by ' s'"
12 h 59 min
